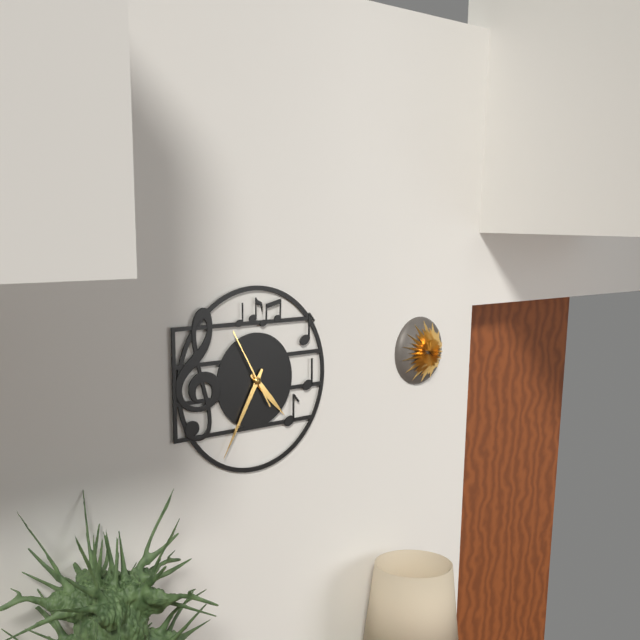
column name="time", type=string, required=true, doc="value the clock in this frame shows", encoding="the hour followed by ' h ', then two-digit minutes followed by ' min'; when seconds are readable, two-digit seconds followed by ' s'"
4 h 35 min 55 s
